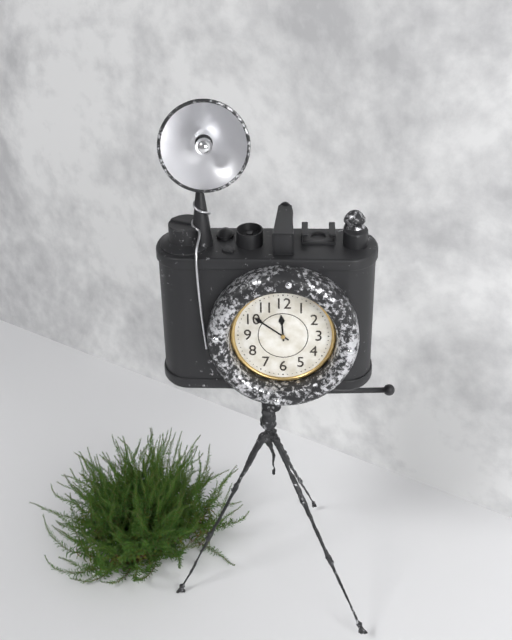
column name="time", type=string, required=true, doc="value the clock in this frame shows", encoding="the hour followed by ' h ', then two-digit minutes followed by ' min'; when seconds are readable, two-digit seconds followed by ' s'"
11 h 51 min
